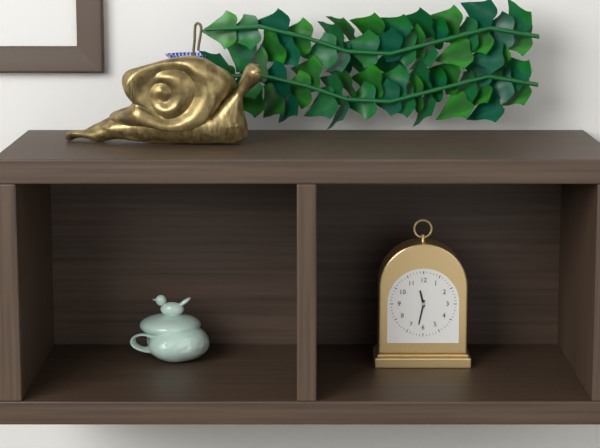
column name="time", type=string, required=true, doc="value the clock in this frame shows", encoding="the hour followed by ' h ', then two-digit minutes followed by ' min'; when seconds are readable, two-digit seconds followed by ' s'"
11 h 32 min
